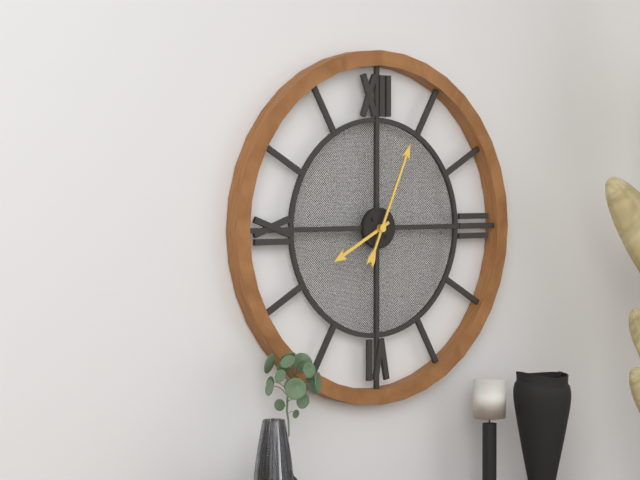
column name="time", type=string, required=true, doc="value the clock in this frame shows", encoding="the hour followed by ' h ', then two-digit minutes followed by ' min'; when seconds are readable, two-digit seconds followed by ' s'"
8 h 04 min
